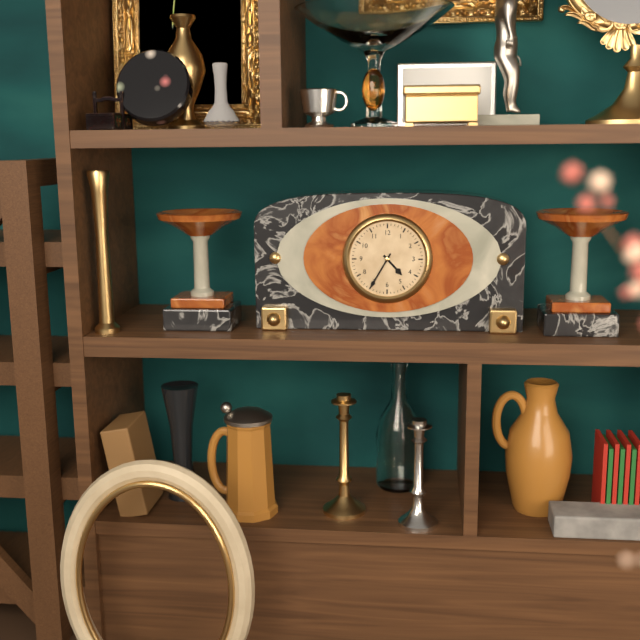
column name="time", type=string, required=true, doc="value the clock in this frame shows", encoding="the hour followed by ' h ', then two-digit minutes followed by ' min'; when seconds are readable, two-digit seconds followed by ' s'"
4 h 35 min
